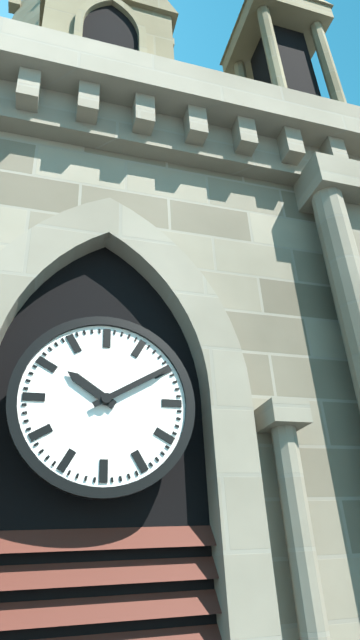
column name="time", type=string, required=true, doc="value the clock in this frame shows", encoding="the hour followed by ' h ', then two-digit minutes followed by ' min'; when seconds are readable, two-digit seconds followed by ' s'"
10 h 10 min
